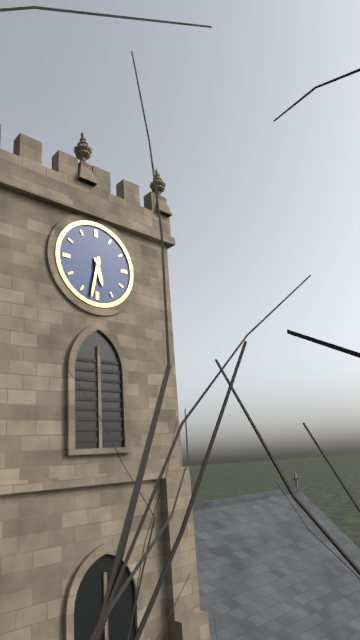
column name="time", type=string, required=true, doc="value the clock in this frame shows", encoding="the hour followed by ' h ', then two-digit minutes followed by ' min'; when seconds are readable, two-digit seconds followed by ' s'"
5 h 32 min
